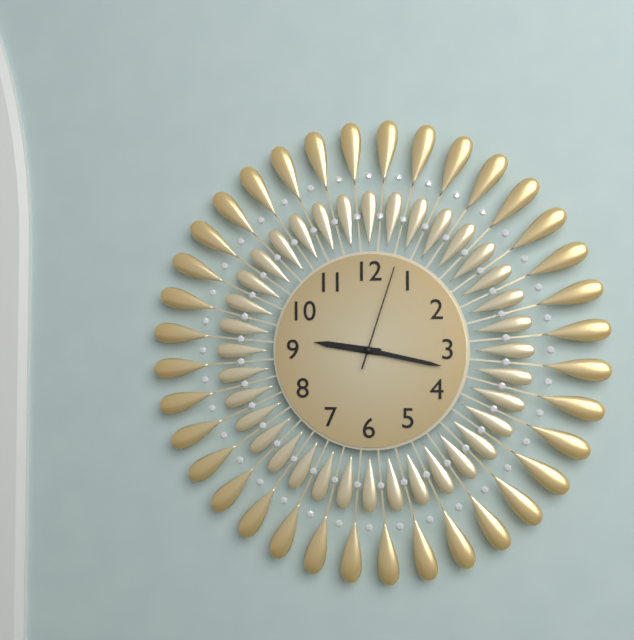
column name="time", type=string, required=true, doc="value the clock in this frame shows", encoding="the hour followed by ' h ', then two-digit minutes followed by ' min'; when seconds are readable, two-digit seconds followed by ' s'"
9 h 17 min 03 s
